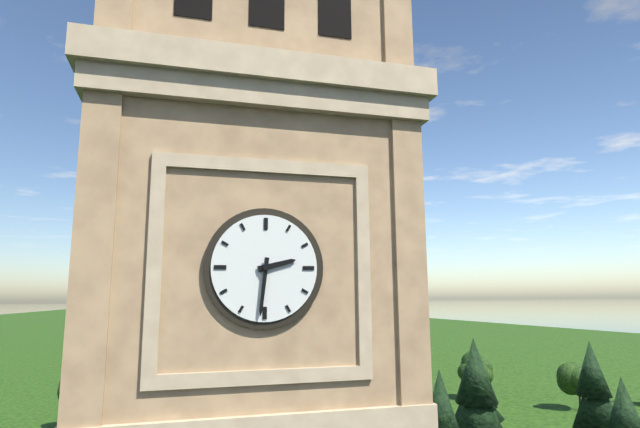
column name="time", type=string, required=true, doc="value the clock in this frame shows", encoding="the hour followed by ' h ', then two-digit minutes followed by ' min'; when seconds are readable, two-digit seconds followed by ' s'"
2 h 31 min
